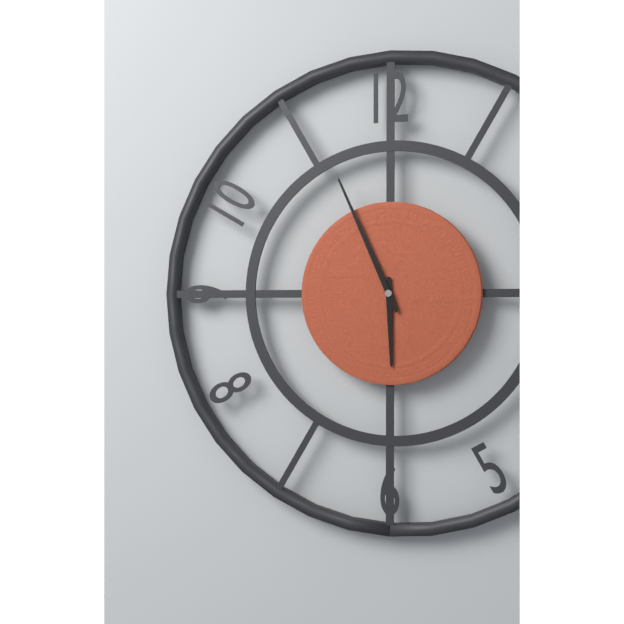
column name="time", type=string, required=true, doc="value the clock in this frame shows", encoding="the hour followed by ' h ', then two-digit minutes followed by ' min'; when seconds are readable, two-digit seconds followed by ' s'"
5 h 56 min
